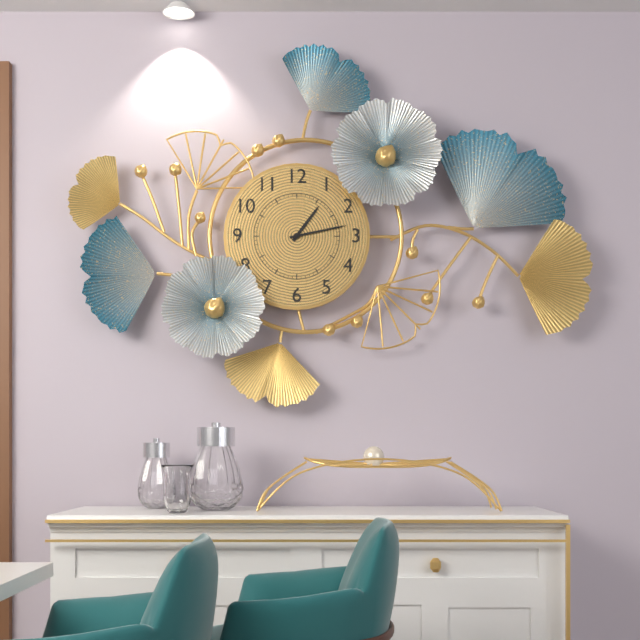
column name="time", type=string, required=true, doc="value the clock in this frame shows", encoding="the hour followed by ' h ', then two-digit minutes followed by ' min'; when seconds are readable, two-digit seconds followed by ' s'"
1 h 13 min
